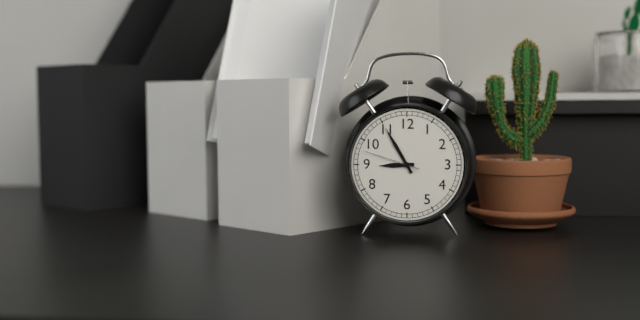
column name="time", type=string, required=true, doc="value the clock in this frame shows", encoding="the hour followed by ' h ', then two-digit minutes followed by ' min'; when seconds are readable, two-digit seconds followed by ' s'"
8 h 55 min 48 s
